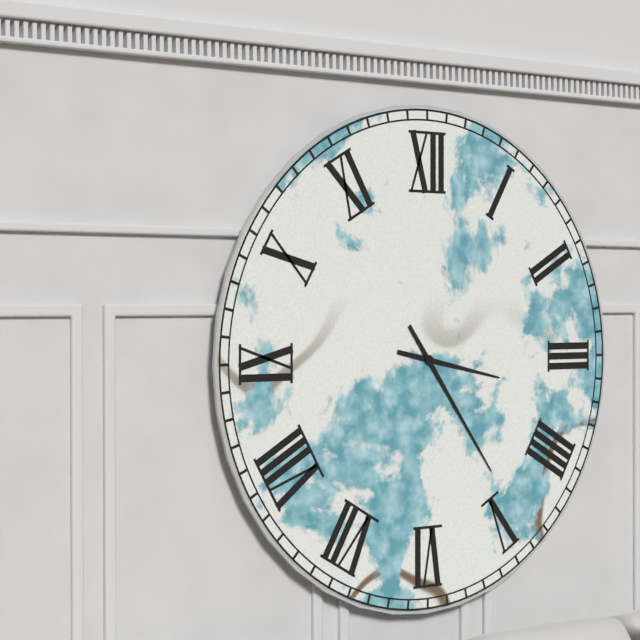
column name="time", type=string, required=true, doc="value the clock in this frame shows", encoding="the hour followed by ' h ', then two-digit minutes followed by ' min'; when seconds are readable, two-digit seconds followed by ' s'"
3 h 24 min
